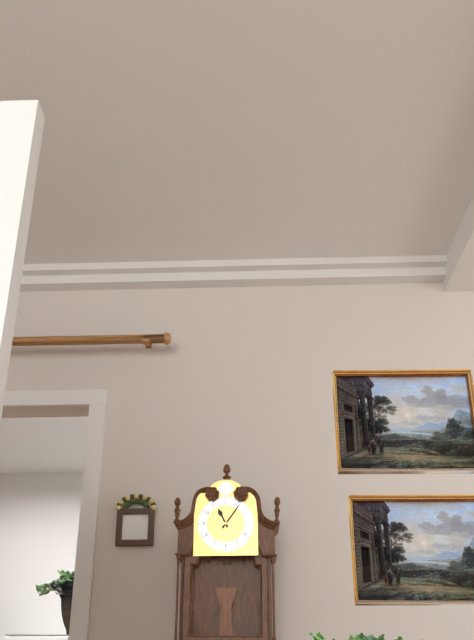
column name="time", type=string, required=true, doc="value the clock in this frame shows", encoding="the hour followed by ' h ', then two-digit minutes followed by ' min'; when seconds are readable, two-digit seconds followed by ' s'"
11 h 06 min
